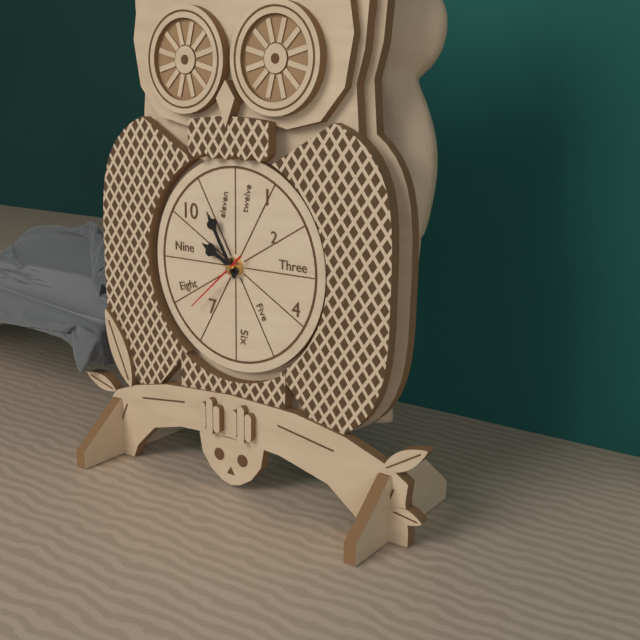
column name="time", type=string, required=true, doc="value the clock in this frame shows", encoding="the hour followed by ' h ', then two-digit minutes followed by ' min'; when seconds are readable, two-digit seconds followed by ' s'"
9 h 55 min 38 s
